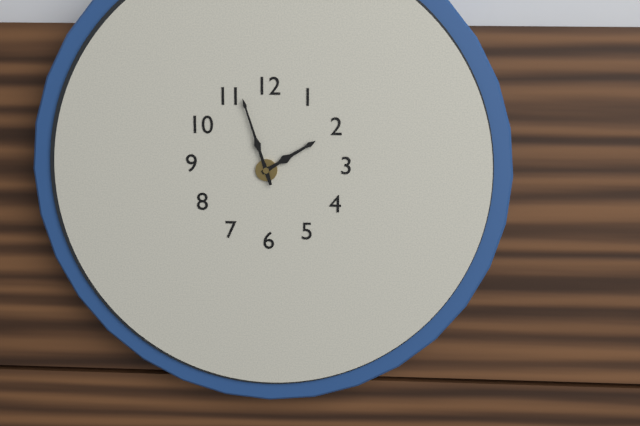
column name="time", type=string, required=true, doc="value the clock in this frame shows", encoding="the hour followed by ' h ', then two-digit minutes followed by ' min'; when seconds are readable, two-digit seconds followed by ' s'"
1 h 57 min
